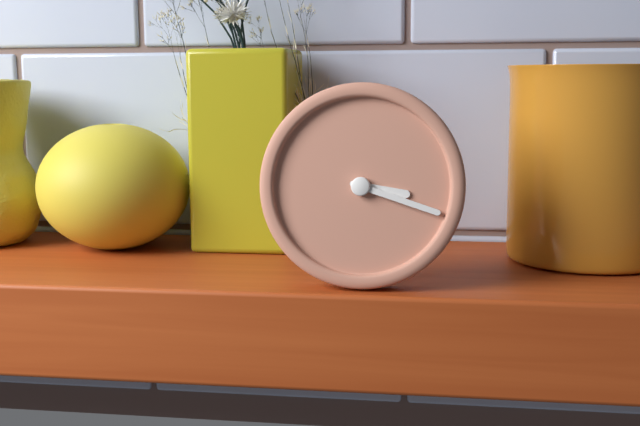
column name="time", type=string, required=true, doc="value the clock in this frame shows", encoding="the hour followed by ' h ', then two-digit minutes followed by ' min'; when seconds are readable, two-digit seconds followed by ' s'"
3 h 18 min
